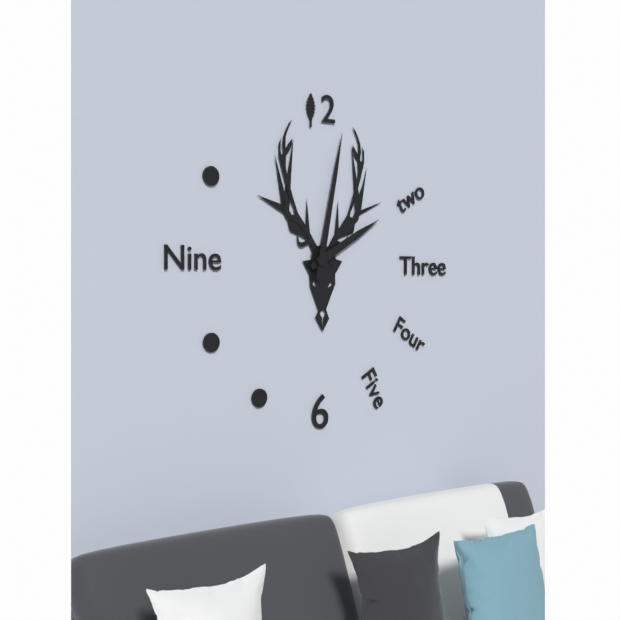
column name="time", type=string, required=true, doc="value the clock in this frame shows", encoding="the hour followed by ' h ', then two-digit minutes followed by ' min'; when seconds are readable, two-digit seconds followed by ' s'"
2 h 02 min
